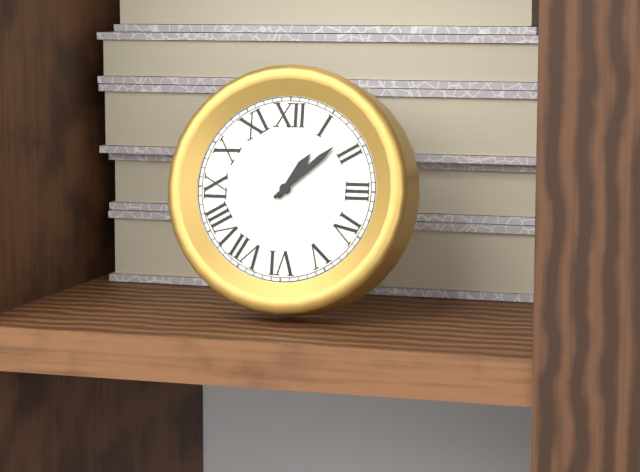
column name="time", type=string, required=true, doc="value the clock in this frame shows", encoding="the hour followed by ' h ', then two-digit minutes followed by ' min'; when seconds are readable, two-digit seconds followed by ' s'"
1 h 08 min
